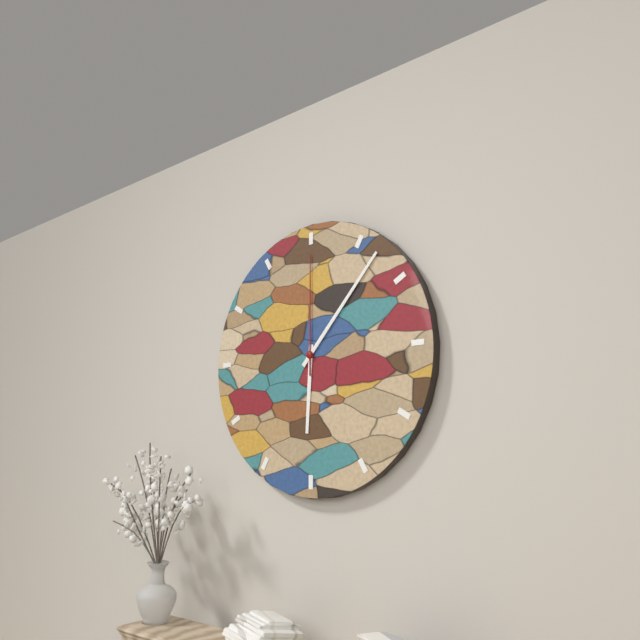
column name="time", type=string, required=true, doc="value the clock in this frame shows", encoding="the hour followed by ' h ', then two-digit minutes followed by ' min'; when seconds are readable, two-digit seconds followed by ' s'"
6 h 07 min 00 s
